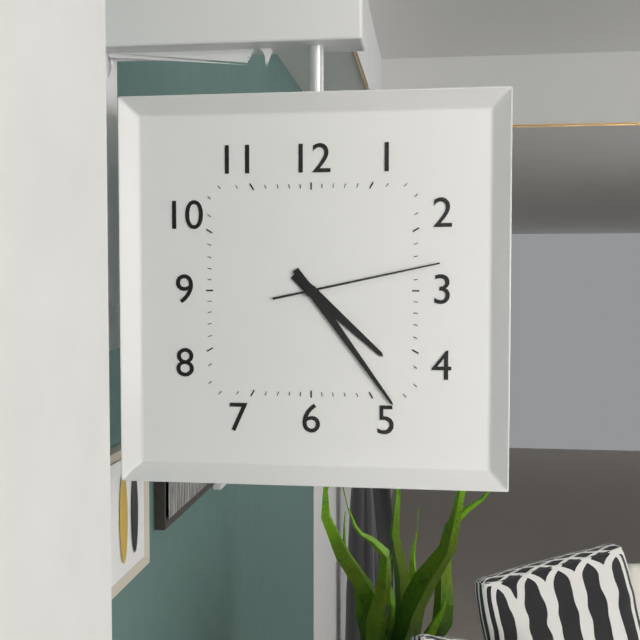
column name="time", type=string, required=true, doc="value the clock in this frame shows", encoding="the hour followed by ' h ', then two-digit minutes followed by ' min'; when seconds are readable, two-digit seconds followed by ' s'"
4 h 24 min 13 s
